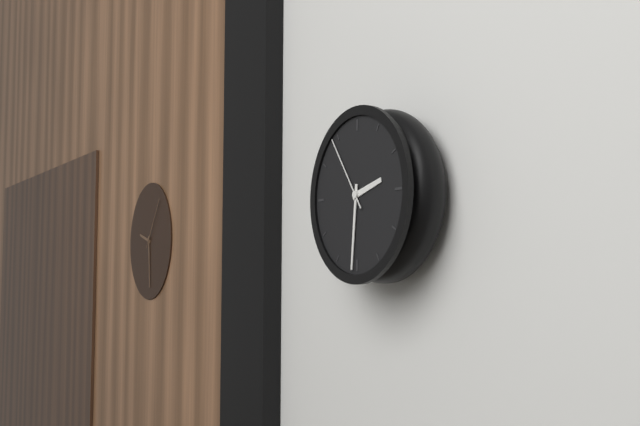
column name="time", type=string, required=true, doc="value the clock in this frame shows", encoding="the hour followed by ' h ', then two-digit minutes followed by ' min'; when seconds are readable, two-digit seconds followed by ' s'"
2 h 31 min 54 s
